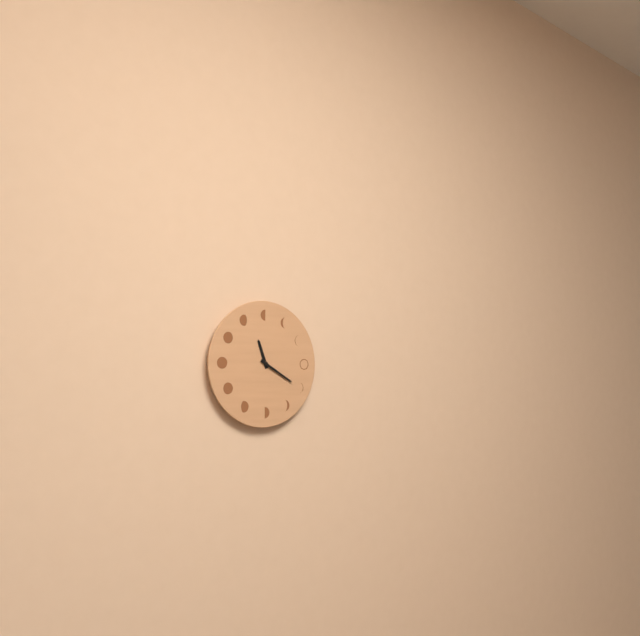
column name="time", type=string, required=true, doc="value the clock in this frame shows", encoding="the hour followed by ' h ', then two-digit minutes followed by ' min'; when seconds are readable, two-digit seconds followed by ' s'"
11 h 20 min
